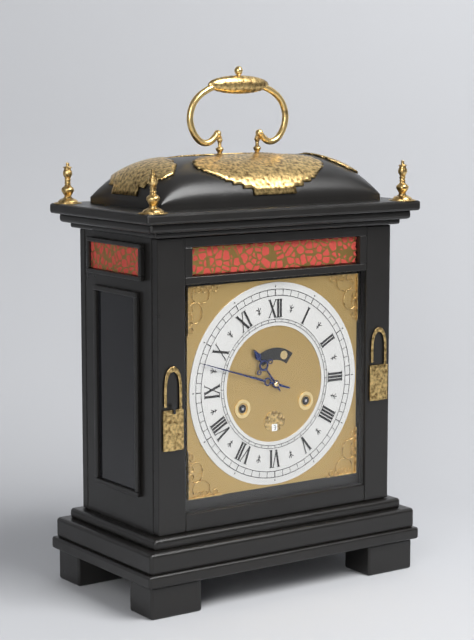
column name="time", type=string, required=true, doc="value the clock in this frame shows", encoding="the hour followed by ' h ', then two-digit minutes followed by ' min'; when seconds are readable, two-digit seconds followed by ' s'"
10 h 48 min
